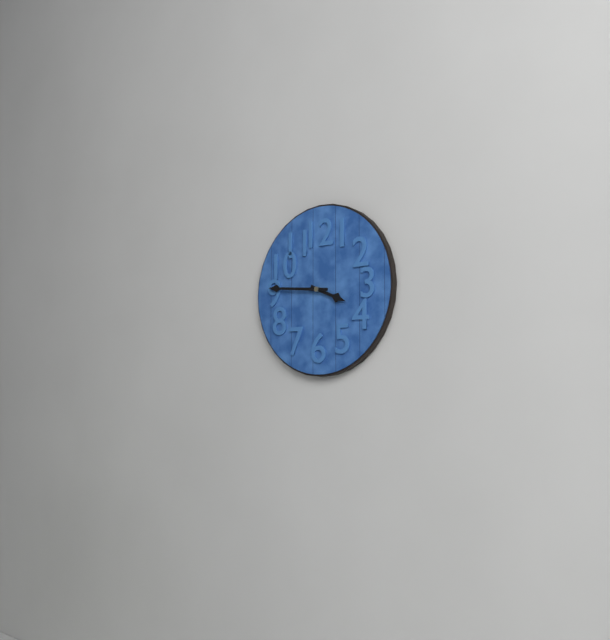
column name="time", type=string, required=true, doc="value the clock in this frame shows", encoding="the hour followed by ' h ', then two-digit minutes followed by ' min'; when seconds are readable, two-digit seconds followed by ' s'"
3 h 46 min
